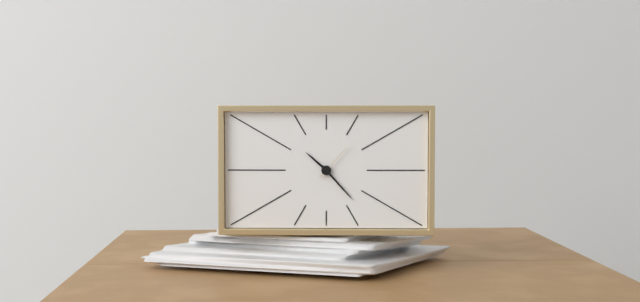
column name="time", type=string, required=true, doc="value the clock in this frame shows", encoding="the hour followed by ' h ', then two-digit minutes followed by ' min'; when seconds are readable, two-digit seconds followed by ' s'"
10 h 23 min
